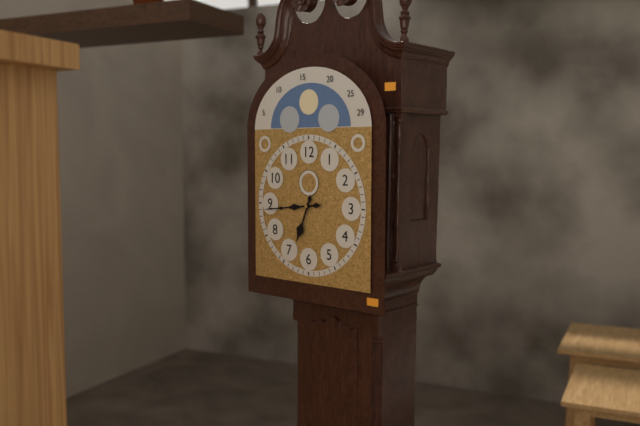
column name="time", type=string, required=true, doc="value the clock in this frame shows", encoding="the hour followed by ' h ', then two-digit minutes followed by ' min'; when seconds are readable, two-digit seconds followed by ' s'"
6 h 44 min
